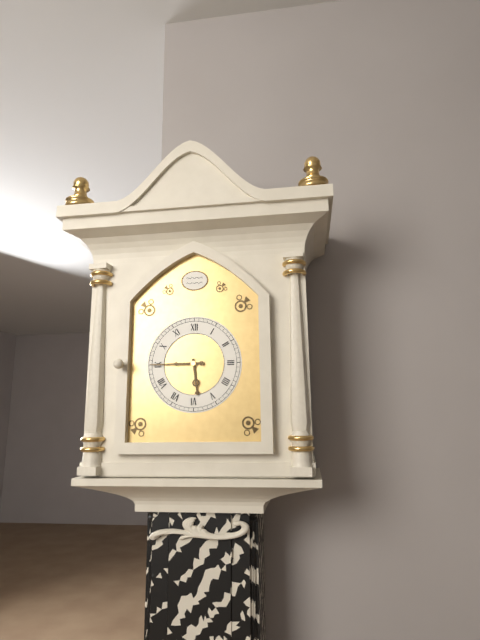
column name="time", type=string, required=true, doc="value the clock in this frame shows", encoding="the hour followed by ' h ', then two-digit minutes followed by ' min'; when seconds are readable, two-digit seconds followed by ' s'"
5 h 45 min
